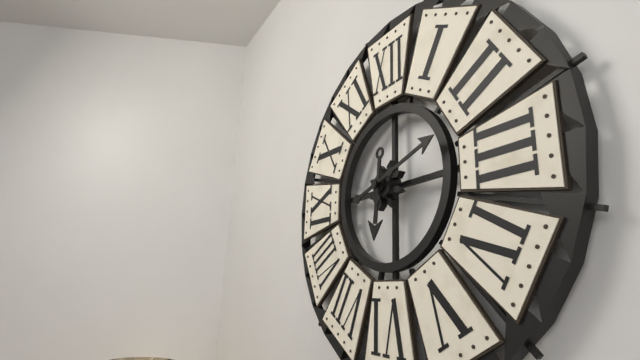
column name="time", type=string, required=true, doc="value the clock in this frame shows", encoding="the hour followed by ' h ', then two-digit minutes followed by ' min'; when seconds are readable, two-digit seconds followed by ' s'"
6 h 12 min
